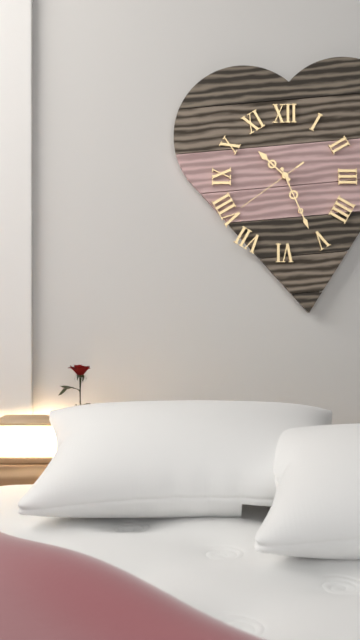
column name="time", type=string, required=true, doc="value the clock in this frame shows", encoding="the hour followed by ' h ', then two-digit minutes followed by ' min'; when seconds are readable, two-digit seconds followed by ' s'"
10 h 26 min 39 s
